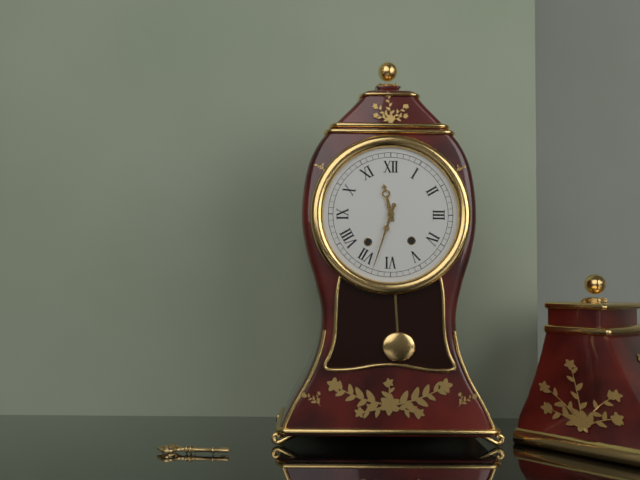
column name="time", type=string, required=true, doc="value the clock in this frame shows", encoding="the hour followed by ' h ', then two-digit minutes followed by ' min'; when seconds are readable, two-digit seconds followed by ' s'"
11 h 33 min
